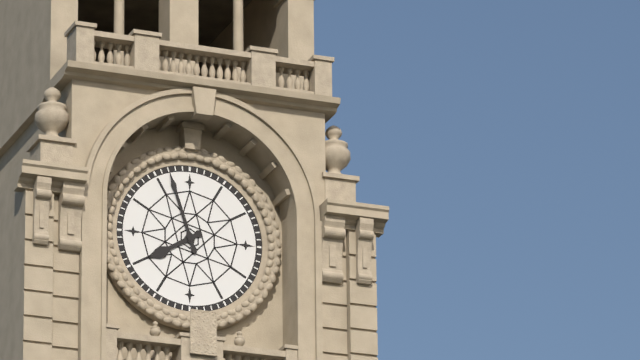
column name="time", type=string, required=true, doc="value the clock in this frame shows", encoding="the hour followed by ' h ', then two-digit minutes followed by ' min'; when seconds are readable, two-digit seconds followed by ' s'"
7 h 57 min
